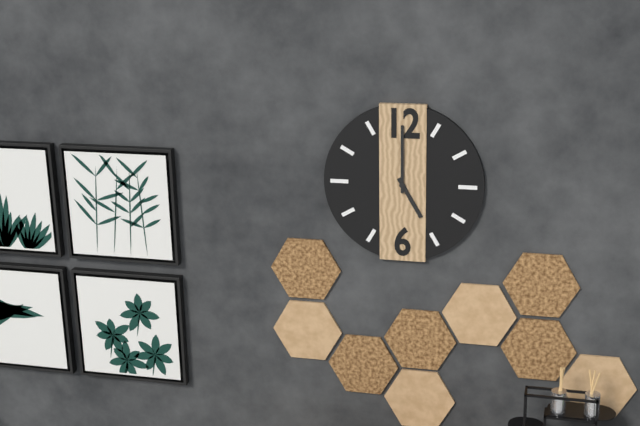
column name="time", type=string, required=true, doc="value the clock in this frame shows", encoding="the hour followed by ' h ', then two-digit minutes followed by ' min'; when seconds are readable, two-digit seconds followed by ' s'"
5 h 00 min
